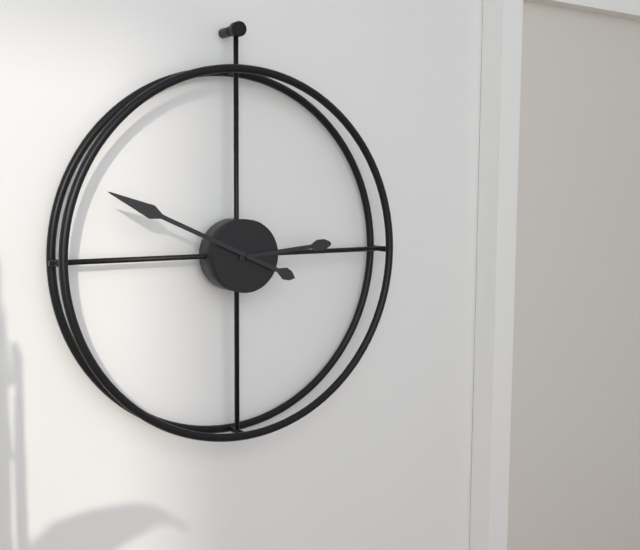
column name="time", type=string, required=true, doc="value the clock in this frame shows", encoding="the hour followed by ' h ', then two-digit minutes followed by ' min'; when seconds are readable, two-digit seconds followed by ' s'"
2 h 49 min
